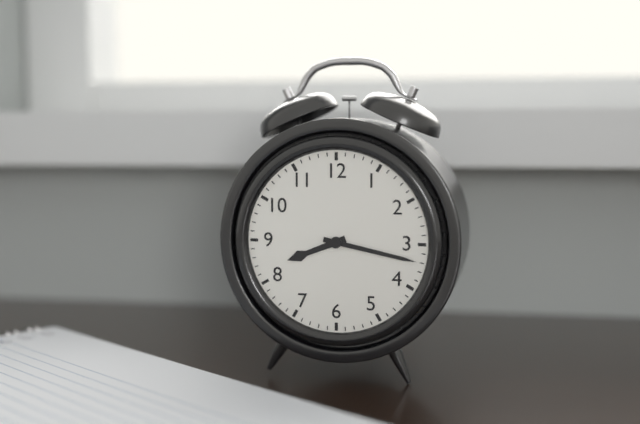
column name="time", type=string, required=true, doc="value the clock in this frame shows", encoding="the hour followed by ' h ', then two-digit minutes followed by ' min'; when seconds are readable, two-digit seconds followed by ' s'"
8 h 17 min
